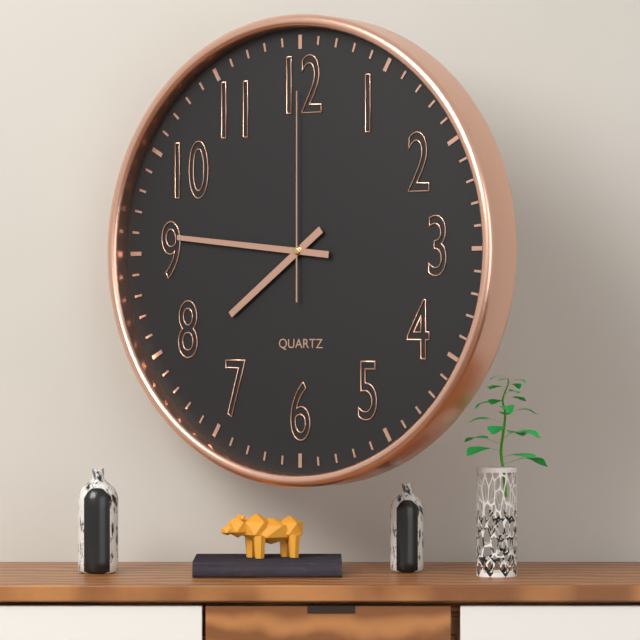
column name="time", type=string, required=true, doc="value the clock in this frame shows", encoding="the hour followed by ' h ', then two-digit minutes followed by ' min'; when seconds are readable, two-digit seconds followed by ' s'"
7 h 46 min 00 s
